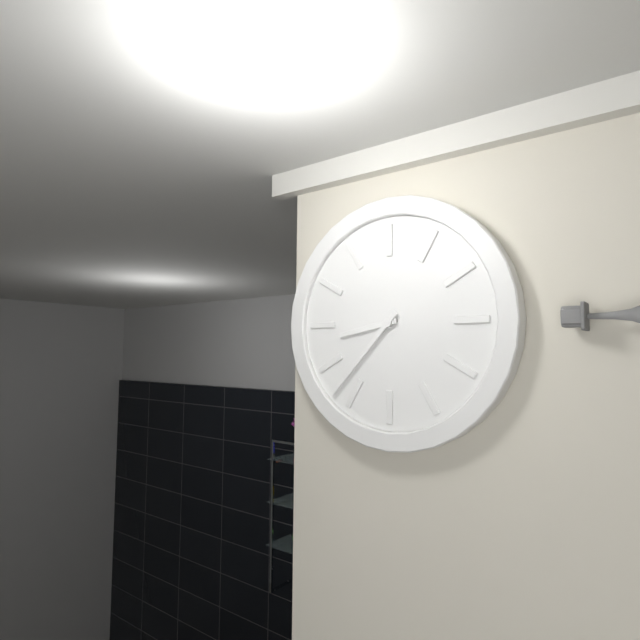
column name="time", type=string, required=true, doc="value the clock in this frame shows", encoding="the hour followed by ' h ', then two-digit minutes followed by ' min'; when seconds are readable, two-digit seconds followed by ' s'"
8 h 37 min
